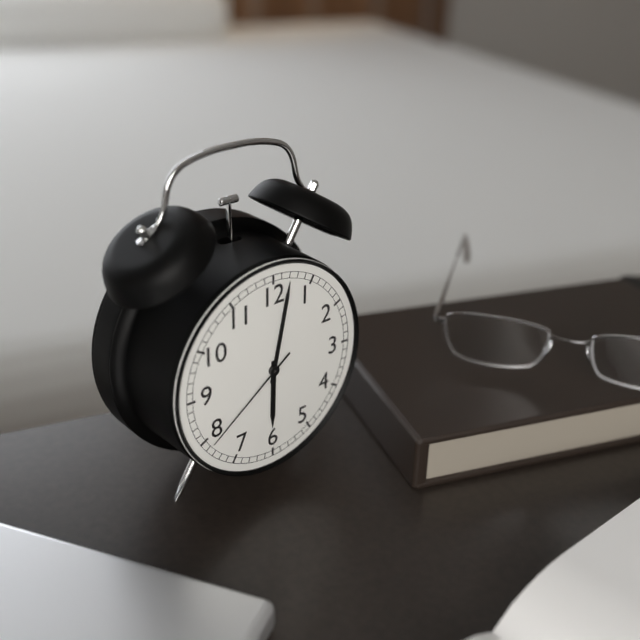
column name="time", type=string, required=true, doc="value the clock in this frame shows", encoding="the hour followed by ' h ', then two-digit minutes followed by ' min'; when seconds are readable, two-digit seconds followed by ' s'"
6 h 02 min 39 s
